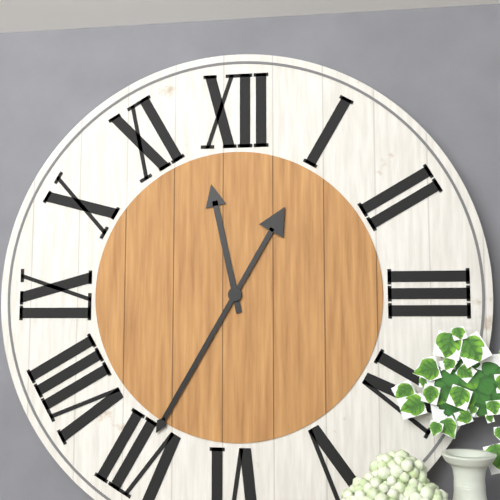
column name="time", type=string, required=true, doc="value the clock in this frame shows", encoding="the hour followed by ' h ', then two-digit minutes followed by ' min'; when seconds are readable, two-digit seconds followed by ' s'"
11 h 35 min
